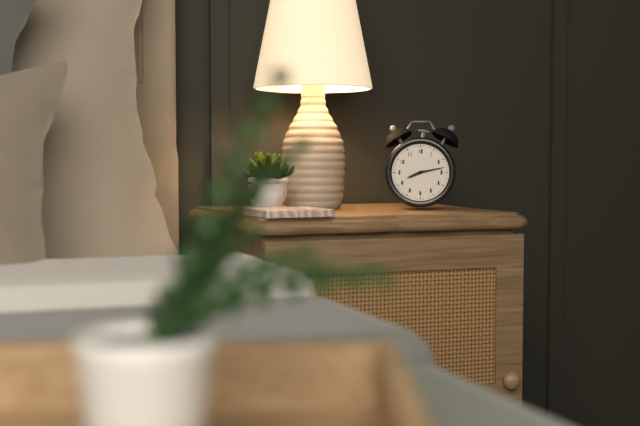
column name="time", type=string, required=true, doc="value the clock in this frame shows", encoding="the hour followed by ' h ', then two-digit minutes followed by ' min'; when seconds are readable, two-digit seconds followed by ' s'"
8 h 13 min
